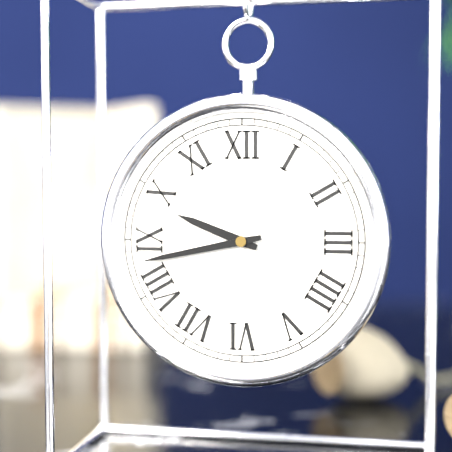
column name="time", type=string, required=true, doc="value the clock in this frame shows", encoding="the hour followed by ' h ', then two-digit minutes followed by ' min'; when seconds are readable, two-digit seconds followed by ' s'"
9 h 43 min
